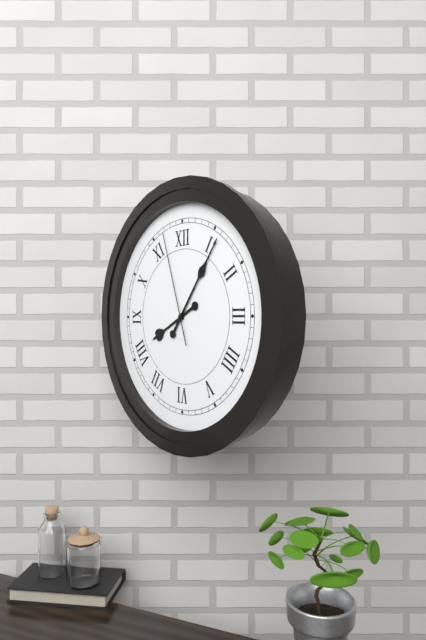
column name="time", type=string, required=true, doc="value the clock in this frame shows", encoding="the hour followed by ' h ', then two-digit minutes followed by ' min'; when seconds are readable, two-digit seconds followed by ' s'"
8 h 06 min 57 s
